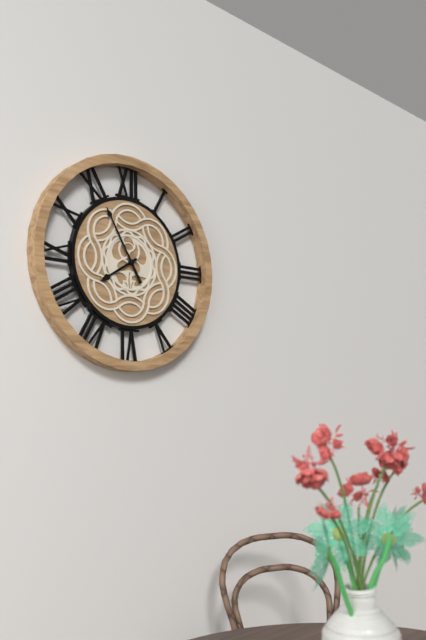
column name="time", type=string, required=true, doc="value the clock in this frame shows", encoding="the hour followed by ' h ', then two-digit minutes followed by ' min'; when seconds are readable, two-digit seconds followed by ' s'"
7 h 55 min
